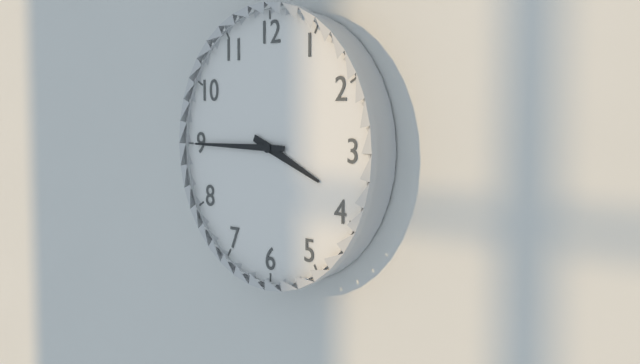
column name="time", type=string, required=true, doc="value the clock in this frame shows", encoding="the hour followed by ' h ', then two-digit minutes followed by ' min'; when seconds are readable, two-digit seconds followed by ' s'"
3 h 45 min
